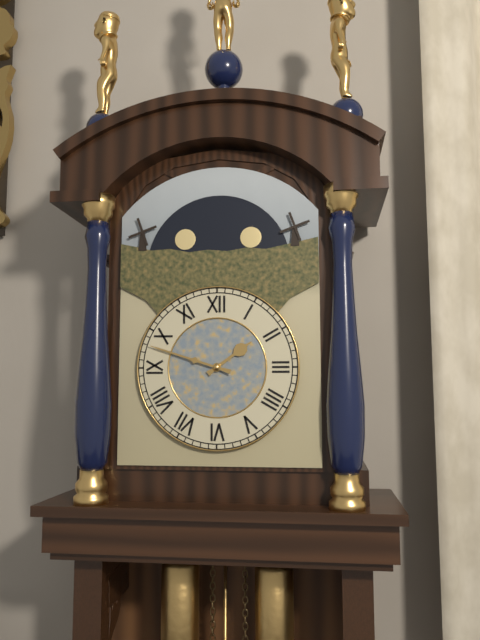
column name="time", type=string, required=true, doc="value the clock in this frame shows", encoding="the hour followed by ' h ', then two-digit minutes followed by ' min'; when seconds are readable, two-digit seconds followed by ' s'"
1 h 48 min
